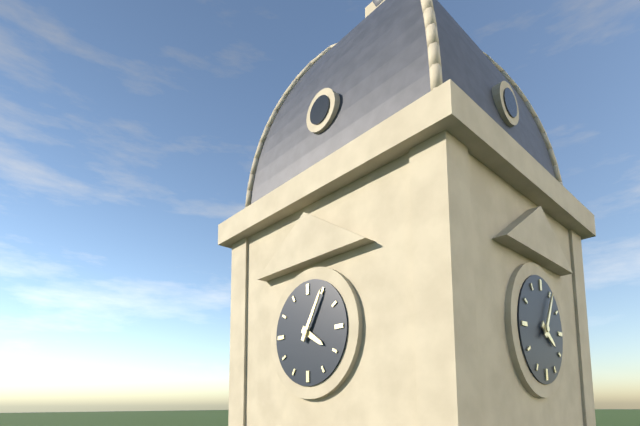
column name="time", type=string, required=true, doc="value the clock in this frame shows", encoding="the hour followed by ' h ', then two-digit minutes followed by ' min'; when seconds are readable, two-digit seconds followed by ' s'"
4 h 05 min
